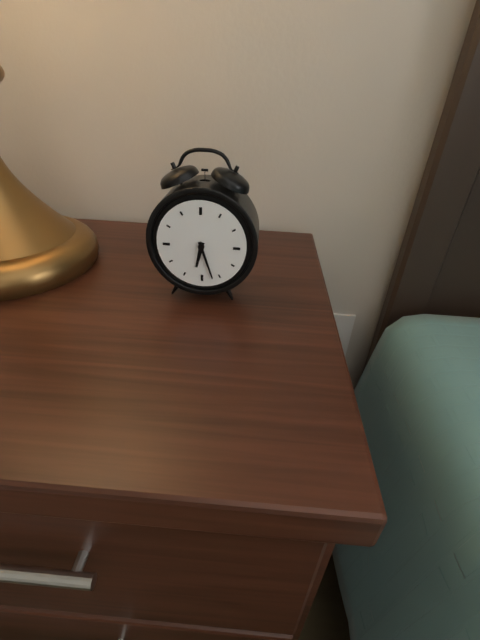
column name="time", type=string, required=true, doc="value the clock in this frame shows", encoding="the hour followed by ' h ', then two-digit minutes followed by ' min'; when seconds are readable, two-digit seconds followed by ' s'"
6 h 27 min
